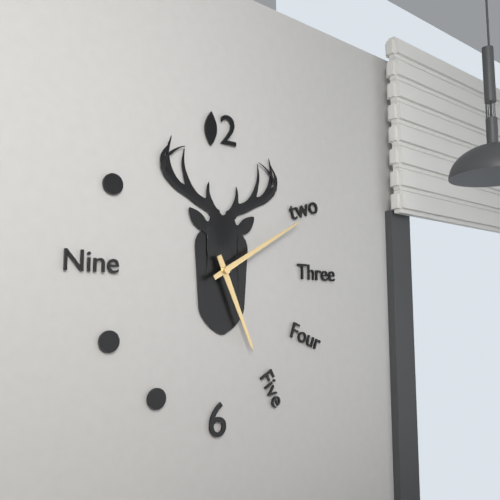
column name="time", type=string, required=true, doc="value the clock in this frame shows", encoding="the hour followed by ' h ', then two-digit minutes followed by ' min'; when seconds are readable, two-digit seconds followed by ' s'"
5 h 10 min
